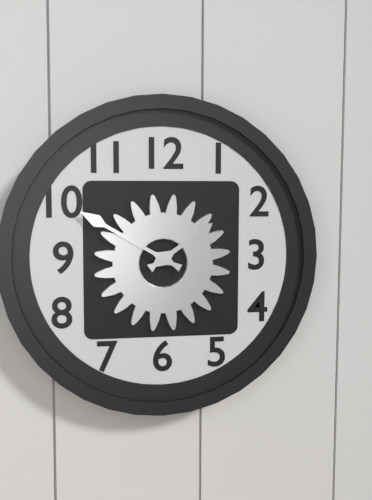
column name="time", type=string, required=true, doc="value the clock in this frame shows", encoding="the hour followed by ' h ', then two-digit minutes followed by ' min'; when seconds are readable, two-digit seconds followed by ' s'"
1 h 50 min
